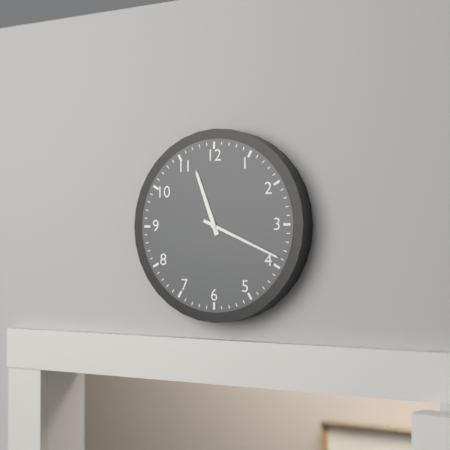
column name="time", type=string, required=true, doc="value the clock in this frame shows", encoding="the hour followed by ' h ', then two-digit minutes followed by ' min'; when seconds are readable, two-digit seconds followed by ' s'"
11 h 19 min
